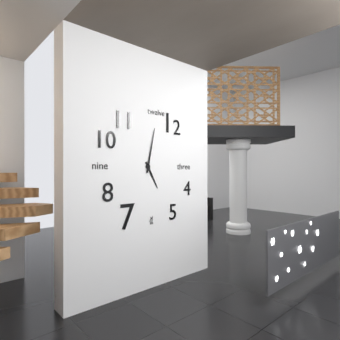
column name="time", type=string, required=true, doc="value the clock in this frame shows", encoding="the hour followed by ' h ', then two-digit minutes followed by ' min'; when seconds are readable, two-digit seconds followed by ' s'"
5 h 02 min
